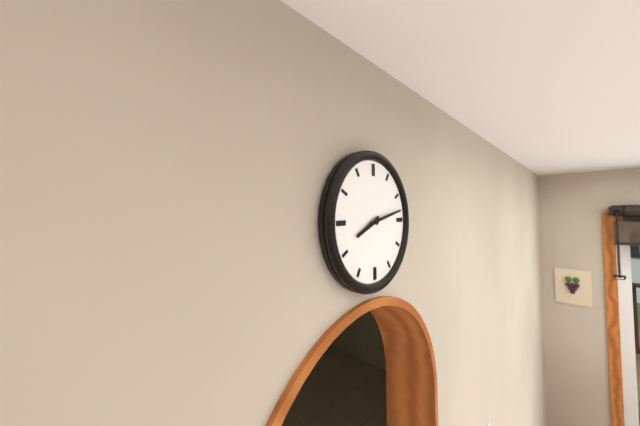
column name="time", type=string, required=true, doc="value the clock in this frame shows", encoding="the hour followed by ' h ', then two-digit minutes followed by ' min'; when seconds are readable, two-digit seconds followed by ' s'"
8 h 13 min
